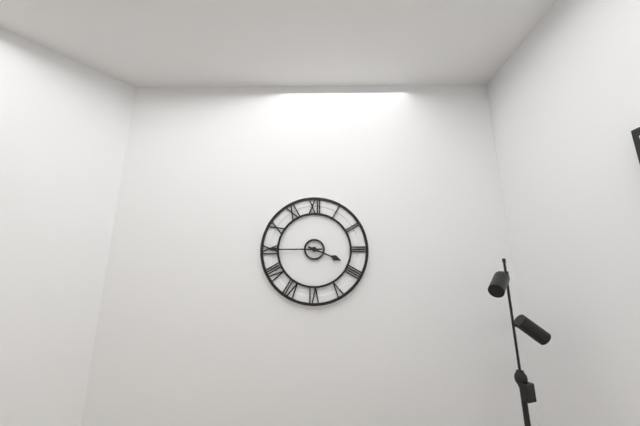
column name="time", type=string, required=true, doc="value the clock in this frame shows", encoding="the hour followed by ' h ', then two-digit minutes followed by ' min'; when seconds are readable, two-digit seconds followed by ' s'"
3 h 45 min
